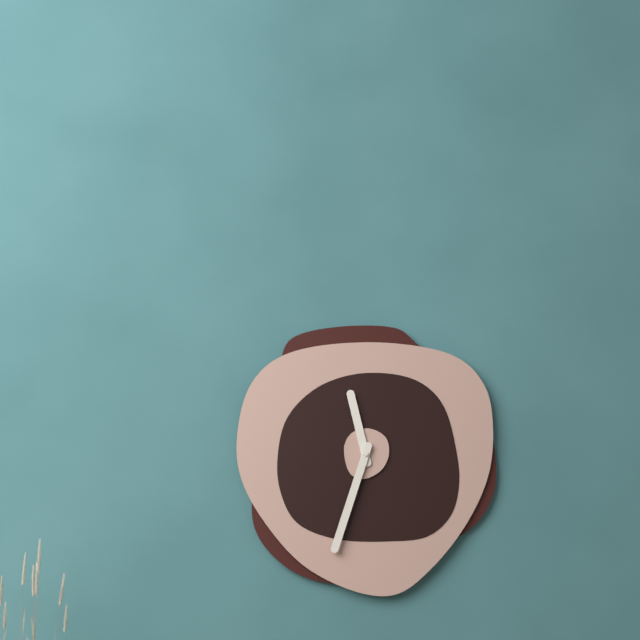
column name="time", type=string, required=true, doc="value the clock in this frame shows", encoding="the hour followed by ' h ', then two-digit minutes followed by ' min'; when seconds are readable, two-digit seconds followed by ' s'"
11 h 33 min
